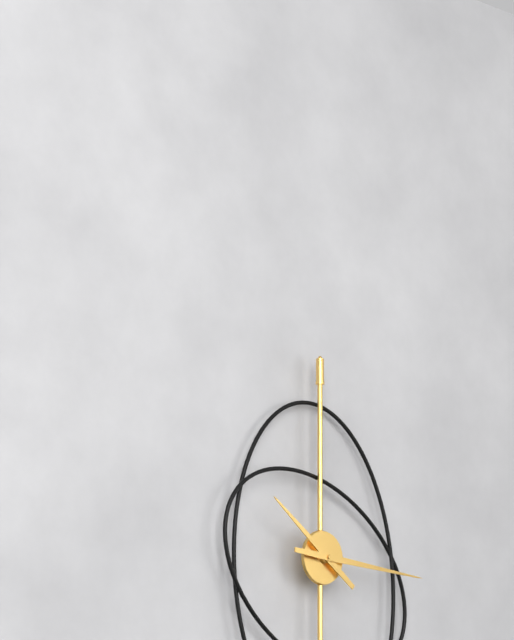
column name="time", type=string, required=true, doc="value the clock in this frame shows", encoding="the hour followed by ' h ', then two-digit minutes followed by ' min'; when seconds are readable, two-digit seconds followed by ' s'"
10 h 16 min
